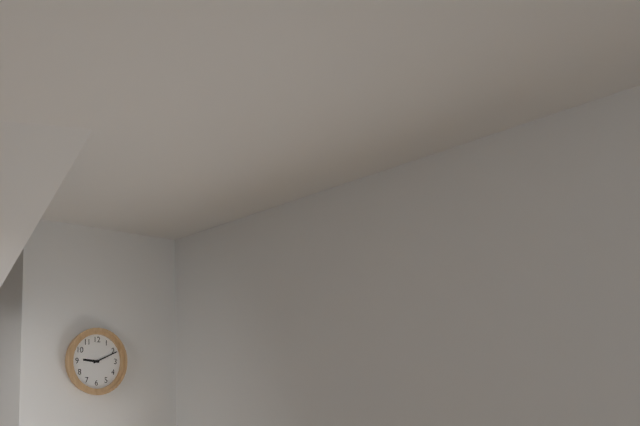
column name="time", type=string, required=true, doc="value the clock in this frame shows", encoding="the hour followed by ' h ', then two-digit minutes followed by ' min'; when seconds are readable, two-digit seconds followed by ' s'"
9 h 11 min
